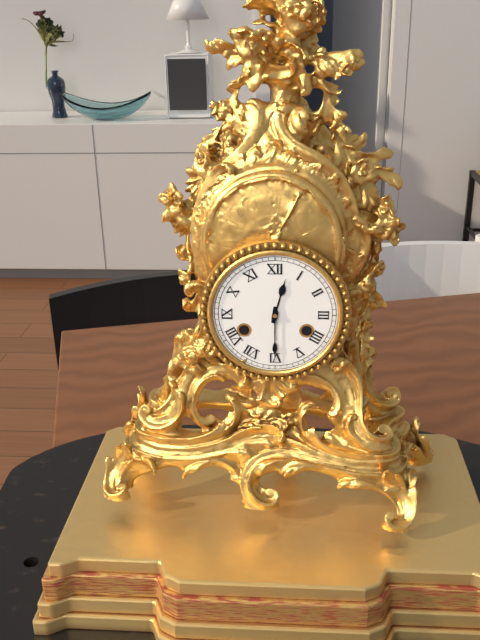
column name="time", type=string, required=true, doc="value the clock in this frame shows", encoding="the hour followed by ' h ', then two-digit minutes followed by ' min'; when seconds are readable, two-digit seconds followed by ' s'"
12 h 30 min
